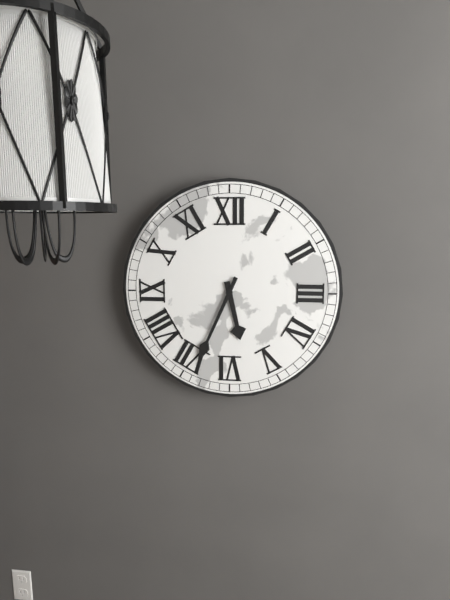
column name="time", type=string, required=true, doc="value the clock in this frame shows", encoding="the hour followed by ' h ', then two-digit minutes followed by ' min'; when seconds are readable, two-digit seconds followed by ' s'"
5 h 34 min
